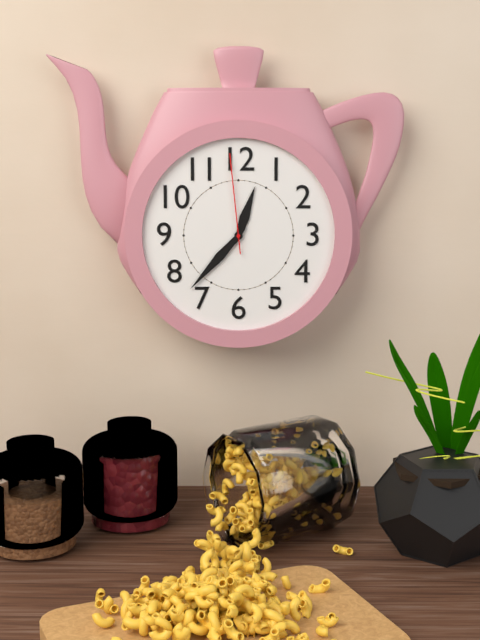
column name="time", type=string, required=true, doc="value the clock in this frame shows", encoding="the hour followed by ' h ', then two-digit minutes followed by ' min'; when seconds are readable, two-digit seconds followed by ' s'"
12 h 37 min 59 s
